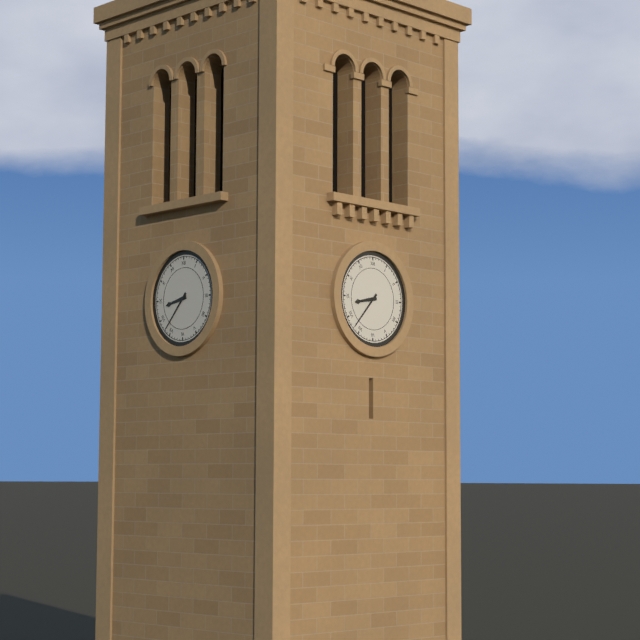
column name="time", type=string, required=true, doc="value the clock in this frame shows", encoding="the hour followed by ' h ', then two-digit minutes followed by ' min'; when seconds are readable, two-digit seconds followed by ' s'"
8 h 37 min
